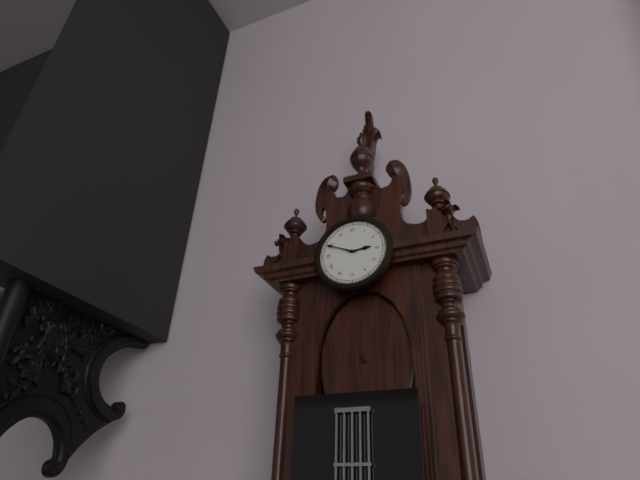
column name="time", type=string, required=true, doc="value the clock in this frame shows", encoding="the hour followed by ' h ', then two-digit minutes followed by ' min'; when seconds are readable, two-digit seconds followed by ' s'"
2 h 49 min
